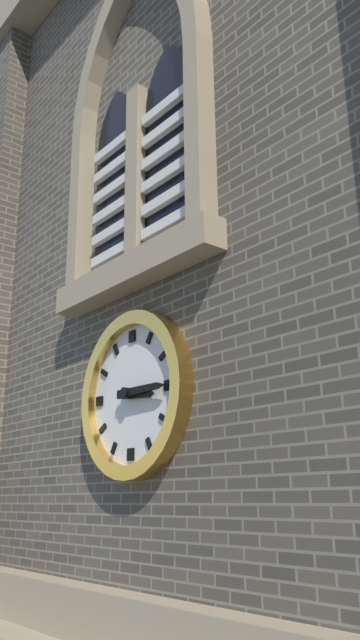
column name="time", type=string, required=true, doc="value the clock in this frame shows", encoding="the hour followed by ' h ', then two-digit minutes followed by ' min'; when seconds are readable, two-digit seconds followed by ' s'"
3 h 15 min
